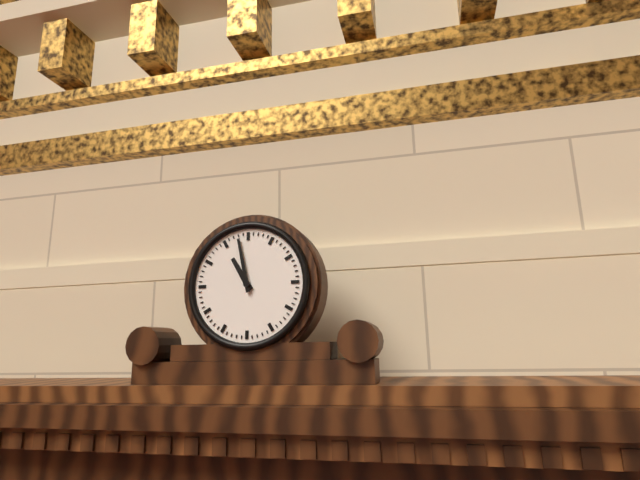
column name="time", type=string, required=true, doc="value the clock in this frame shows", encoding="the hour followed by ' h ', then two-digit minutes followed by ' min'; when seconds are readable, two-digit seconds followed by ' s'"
10 h 58 min
